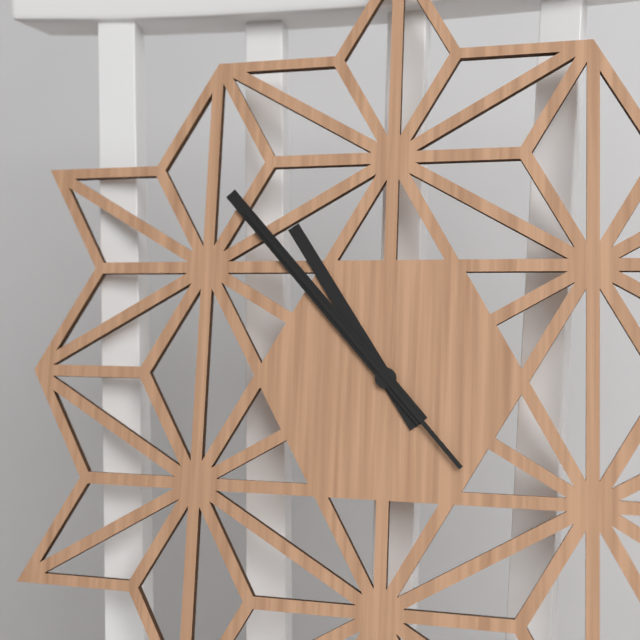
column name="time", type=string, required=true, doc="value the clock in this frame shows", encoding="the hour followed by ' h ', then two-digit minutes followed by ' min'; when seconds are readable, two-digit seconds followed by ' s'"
10 h 53 min 53 s
